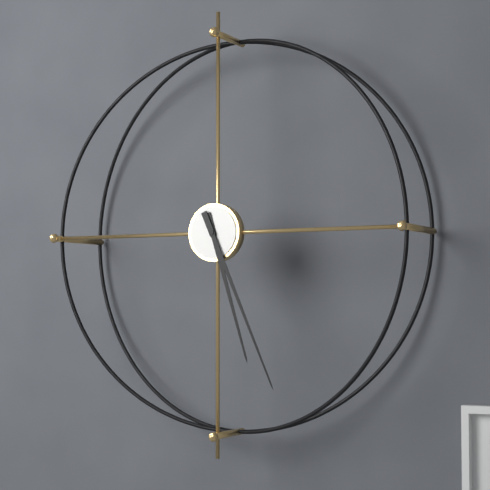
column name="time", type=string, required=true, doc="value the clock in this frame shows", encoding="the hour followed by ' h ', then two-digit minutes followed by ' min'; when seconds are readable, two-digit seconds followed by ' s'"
5 h 26 min
